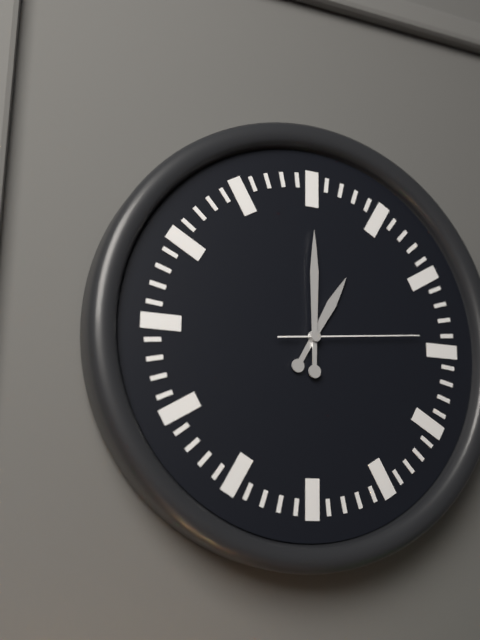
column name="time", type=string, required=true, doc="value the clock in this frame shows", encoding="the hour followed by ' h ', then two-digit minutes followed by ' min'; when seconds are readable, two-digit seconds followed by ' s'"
1 h 00 min 14 s
